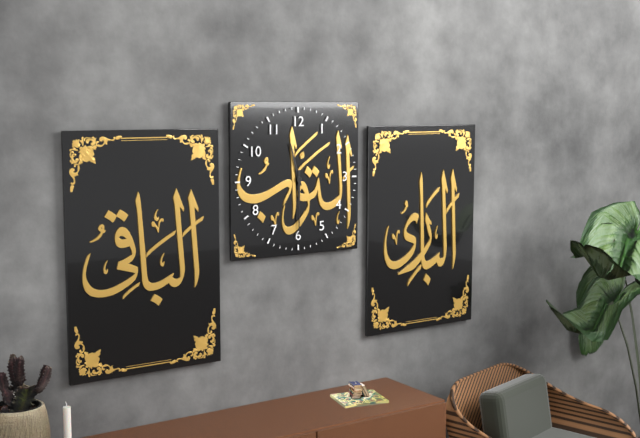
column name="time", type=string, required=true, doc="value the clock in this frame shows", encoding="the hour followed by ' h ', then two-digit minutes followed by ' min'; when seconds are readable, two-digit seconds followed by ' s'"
11 h 30 min
